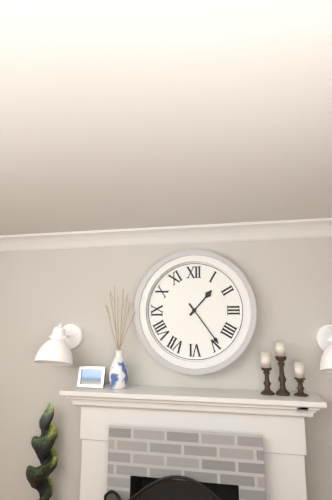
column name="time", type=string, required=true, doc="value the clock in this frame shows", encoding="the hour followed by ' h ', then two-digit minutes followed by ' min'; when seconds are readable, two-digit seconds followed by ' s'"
1 h 24 min
